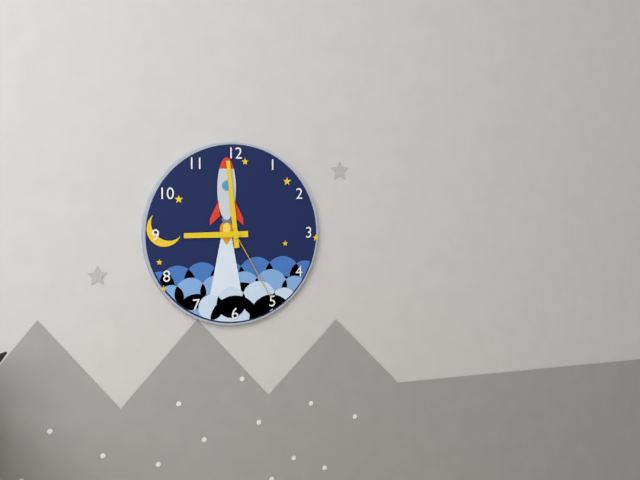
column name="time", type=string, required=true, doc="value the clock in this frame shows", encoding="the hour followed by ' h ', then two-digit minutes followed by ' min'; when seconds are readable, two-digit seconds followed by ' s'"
8 h 59 min 25 s
